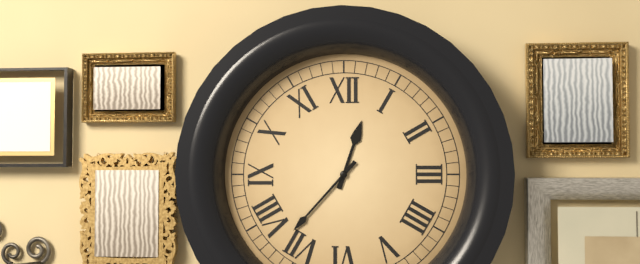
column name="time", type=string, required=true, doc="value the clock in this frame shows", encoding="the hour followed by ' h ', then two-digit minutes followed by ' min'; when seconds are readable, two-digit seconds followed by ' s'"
12 h 37 min
